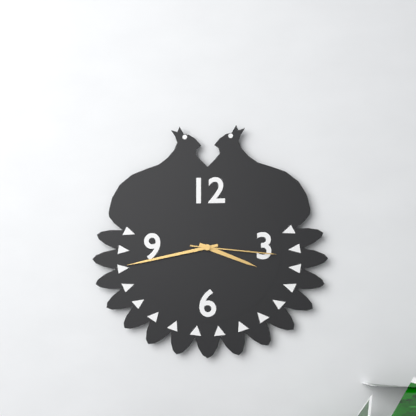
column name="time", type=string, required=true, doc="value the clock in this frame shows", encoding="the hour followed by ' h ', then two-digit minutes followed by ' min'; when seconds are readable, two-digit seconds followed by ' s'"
3 h 43 min 16 s
